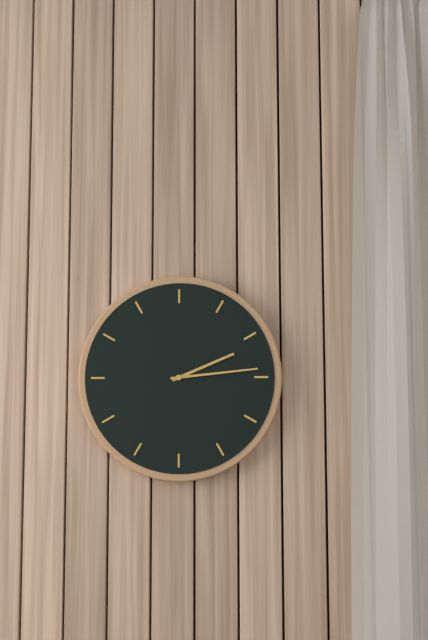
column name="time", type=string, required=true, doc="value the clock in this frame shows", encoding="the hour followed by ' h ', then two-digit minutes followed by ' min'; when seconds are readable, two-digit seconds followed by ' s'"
2 h 14 min
